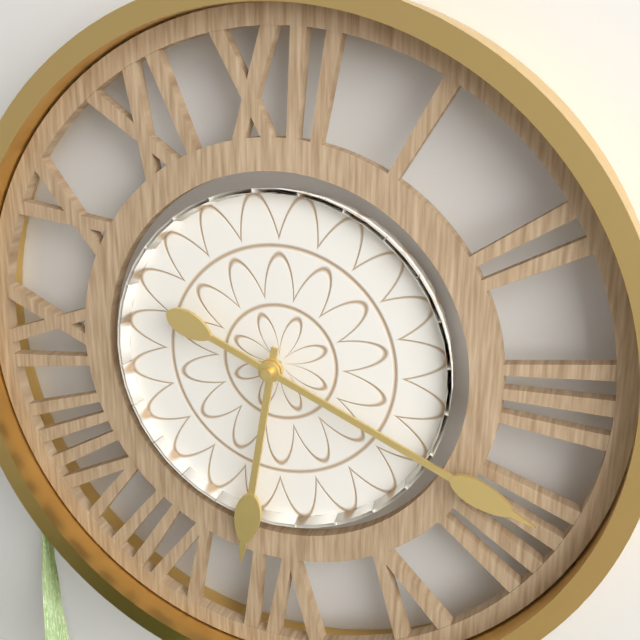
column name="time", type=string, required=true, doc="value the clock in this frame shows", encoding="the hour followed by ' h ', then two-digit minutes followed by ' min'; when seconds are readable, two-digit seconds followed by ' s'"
6 h 19 min
